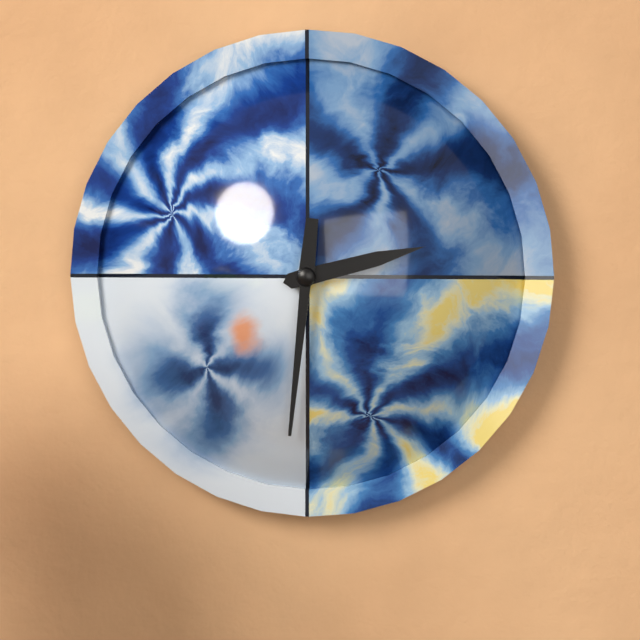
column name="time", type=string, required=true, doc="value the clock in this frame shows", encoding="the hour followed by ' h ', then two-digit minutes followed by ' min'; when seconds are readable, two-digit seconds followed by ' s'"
2 h 31 min
